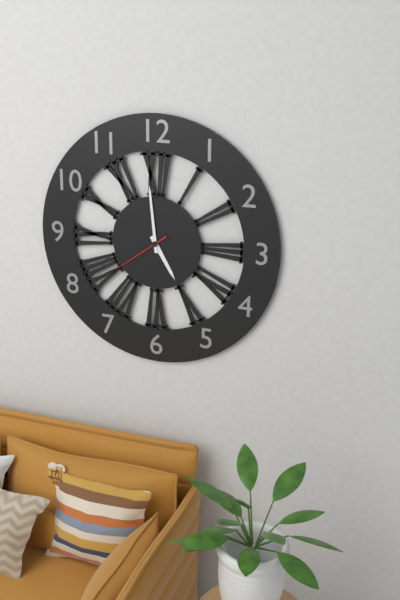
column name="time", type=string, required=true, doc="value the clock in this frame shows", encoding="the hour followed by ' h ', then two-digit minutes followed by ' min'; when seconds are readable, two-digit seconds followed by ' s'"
4 h 59 min 39 s
